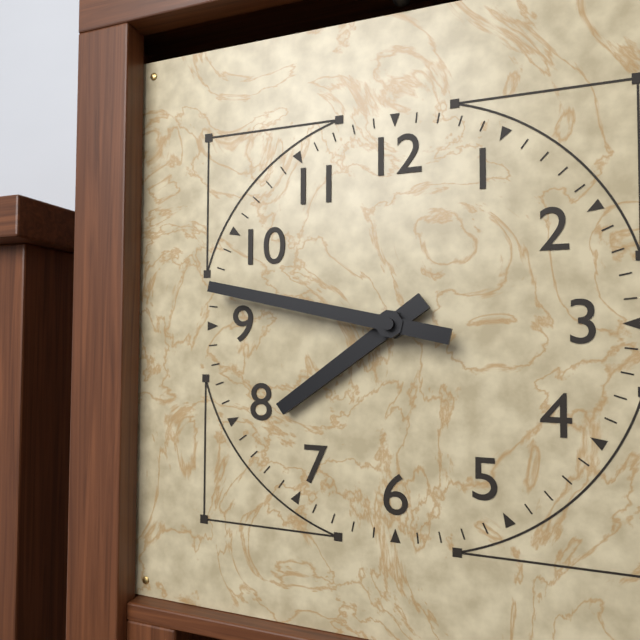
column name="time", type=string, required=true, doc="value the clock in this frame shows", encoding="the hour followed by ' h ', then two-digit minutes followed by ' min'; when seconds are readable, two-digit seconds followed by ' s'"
7 h 47 min
